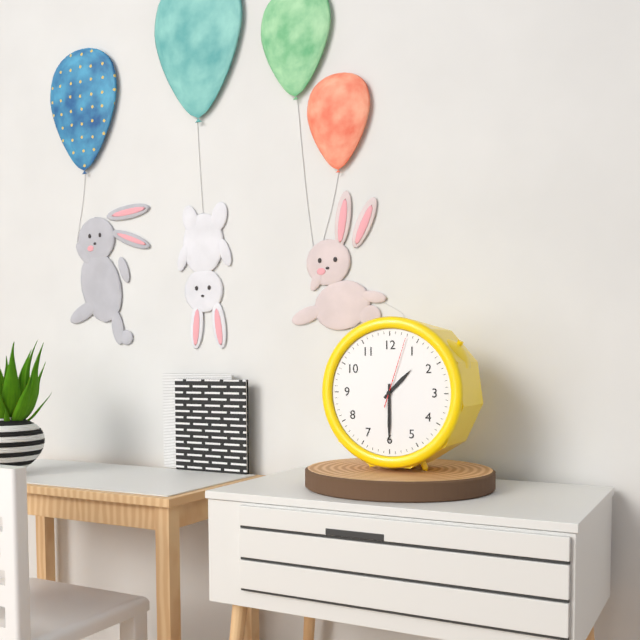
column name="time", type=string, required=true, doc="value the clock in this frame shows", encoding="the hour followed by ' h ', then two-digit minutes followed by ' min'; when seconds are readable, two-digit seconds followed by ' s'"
1 h 30 min 03 s
